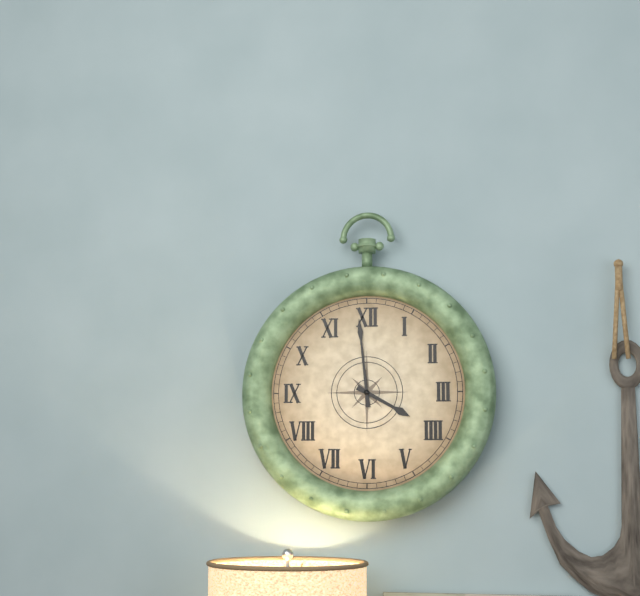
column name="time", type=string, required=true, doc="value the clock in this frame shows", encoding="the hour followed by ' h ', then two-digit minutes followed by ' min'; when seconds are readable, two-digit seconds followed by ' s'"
3 h 59 min
